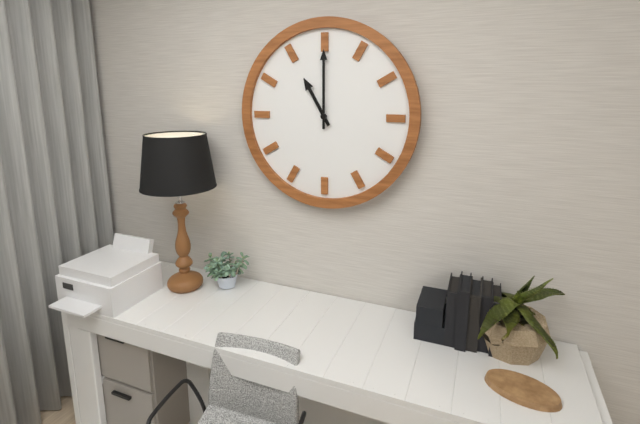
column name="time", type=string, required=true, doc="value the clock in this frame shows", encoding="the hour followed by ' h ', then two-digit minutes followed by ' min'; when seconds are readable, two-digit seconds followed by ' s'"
11 h 00 min
